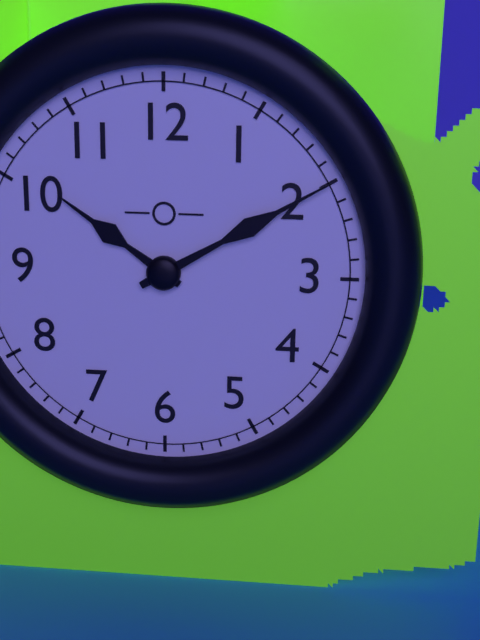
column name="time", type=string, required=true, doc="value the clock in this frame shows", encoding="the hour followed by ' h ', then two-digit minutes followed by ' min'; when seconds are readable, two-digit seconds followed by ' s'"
10 h 10 min
